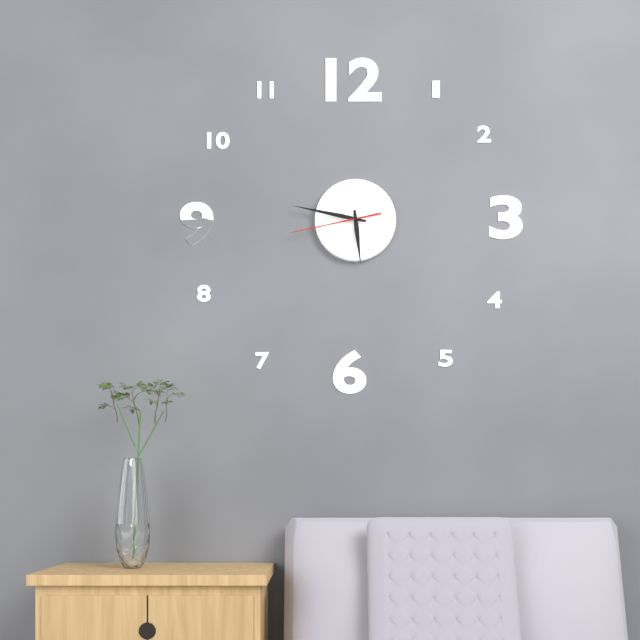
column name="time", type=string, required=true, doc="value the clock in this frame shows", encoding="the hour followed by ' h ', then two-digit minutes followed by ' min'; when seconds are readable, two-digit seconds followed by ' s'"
5 h 47 min 43 s
